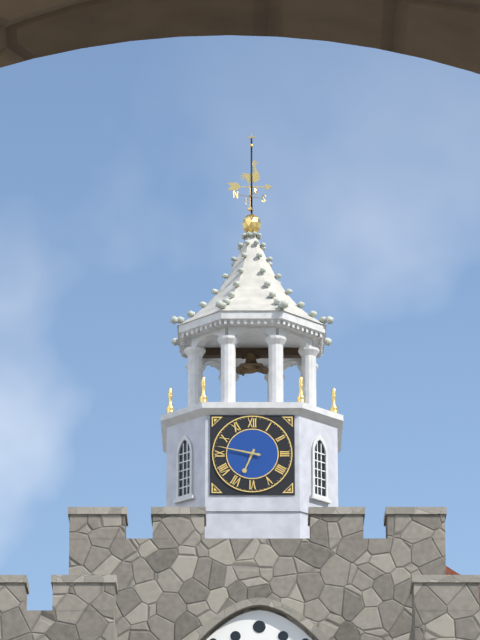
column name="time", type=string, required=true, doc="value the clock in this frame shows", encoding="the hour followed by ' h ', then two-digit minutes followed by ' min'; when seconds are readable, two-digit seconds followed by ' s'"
6 h 47 min
